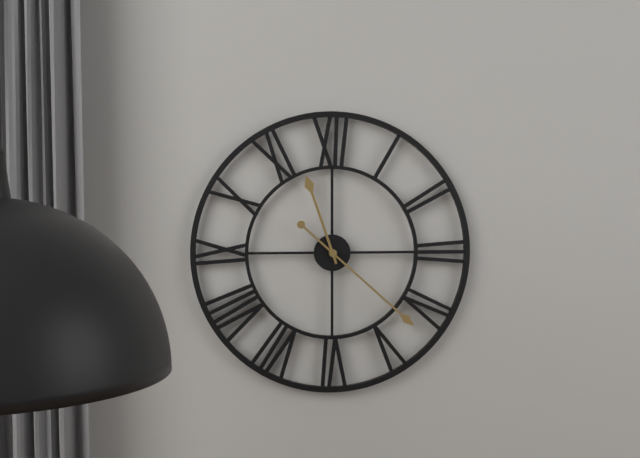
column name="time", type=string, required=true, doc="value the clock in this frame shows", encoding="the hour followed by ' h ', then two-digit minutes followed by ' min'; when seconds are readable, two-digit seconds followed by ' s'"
11 h 22 min
